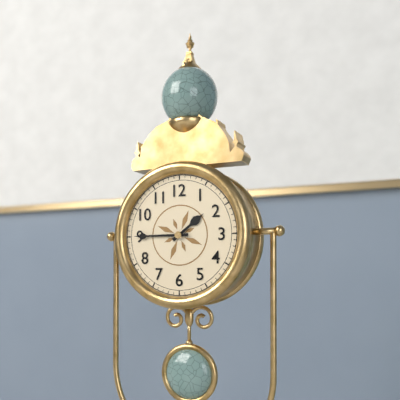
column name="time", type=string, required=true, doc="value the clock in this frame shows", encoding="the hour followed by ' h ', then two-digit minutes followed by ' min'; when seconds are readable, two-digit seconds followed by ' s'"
1 h 45 min
